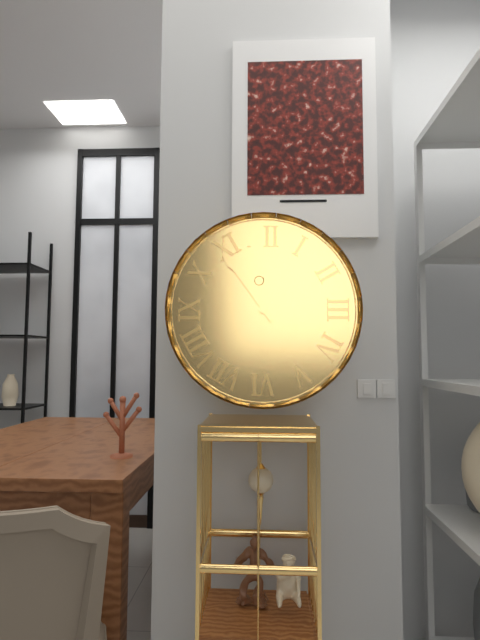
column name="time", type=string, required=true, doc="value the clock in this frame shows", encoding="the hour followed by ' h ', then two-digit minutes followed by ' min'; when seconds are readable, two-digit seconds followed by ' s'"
5 h 54 min
